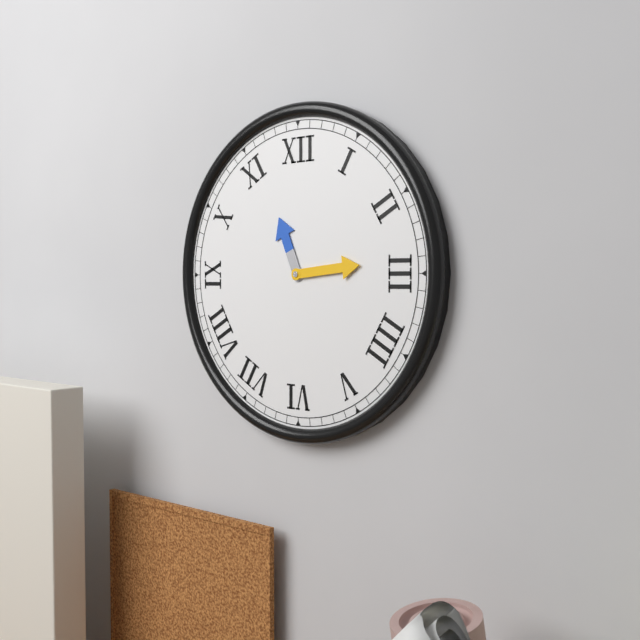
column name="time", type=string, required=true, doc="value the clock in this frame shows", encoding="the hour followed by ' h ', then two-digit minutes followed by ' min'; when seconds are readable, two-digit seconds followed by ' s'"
11 h 14 min
